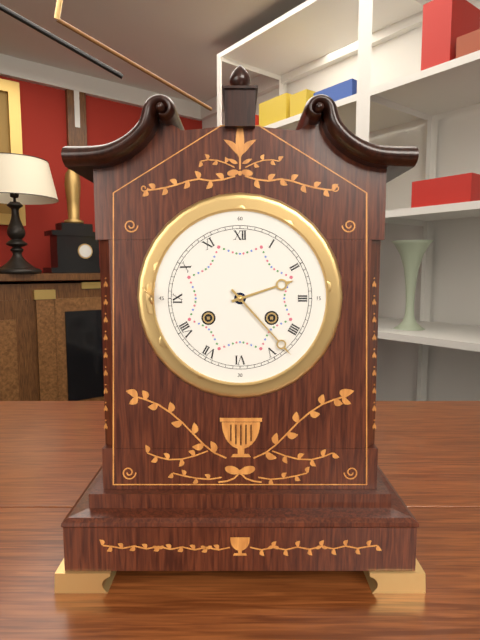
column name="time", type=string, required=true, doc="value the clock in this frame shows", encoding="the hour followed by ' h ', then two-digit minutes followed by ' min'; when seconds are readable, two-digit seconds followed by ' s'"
2 h 23 min
